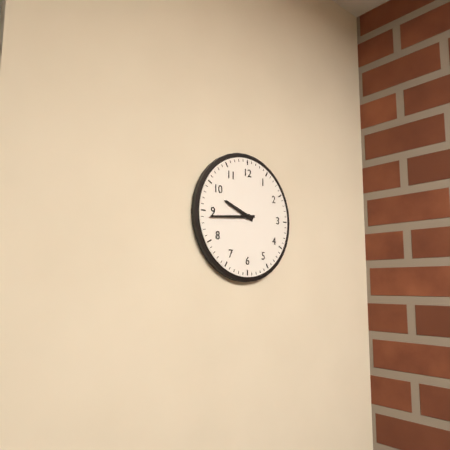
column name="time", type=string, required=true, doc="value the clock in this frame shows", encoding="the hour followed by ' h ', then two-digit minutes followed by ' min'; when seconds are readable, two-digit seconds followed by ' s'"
9 h 44 min
